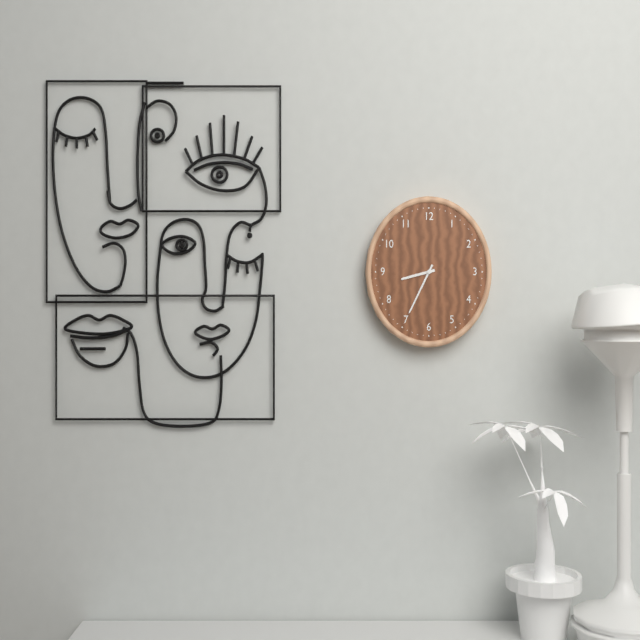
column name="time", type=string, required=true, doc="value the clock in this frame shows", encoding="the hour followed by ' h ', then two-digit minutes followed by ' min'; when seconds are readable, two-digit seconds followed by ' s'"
8 h 35 min
